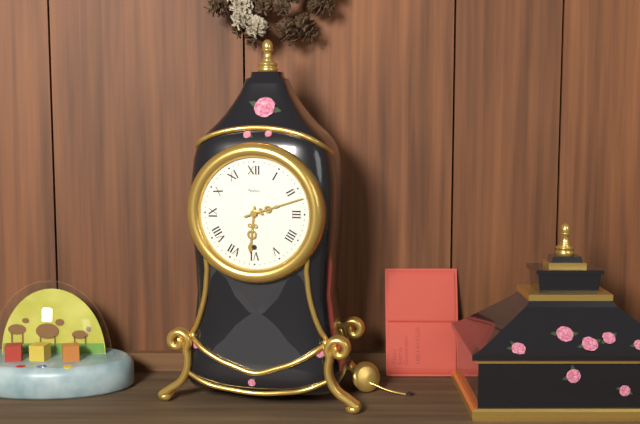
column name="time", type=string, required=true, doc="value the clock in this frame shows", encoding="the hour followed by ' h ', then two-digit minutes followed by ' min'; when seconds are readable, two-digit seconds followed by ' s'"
6 h 12 min
